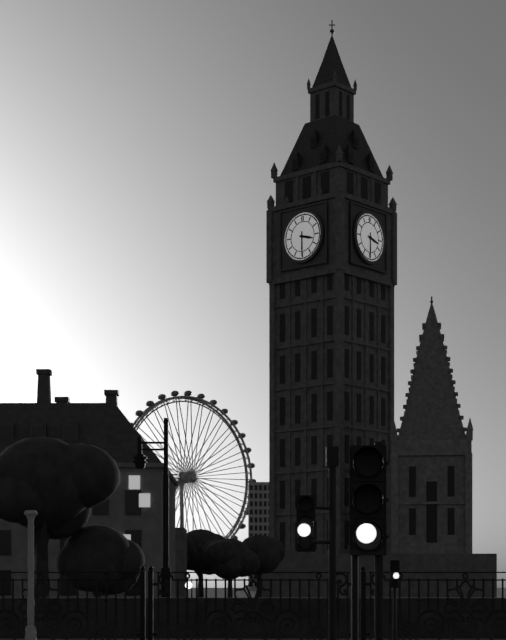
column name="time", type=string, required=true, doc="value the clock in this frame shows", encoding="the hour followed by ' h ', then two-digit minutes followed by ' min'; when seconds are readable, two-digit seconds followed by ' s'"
3 h 30 min
